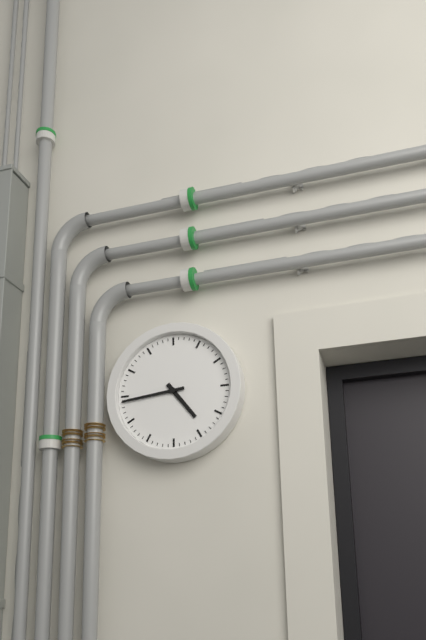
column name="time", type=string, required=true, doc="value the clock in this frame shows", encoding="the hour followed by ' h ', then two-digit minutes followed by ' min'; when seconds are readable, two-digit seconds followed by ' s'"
4 h 44 min
